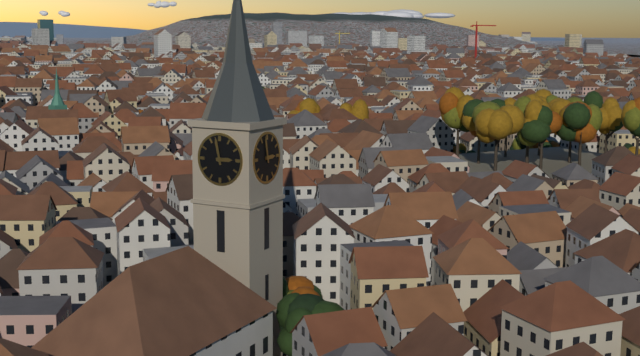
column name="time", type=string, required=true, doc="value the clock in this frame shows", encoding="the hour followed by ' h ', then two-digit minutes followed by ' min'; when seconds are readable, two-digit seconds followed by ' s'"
2 h 58 min
